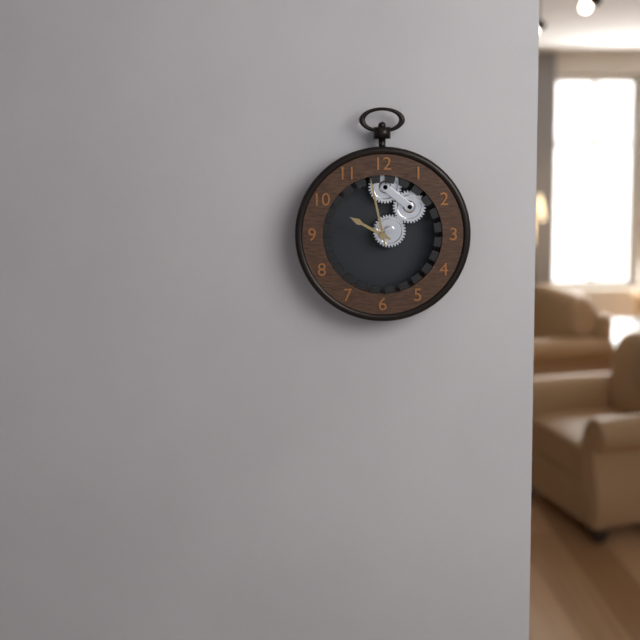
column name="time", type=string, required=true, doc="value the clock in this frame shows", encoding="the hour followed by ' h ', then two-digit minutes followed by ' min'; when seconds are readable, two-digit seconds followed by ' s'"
9 h 58 min
